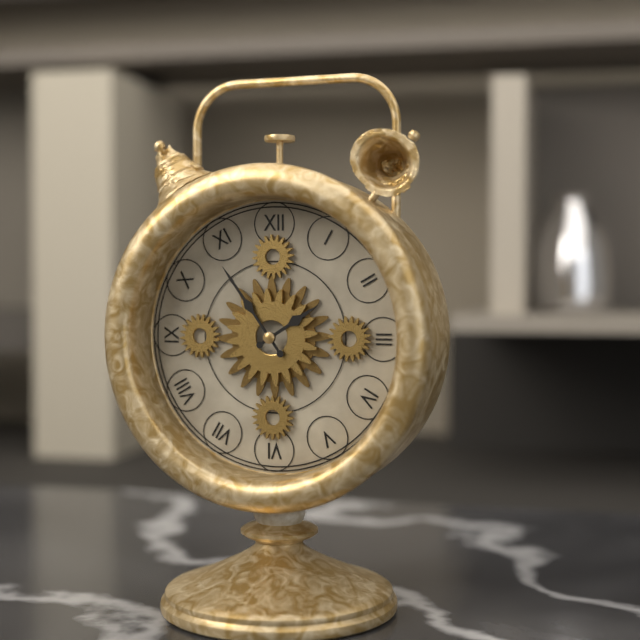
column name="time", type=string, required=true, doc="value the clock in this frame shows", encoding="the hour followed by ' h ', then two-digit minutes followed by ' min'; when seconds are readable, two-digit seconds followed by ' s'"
1 h 54 min
